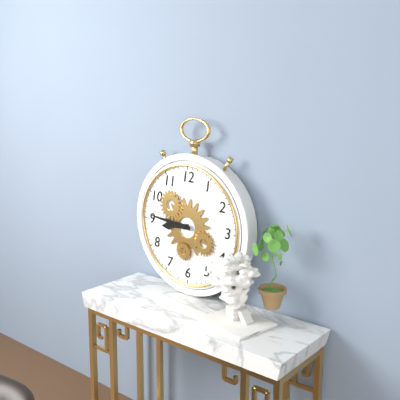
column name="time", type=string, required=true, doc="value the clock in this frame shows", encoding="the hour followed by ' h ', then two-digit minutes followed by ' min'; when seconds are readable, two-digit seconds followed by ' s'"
8 h 46 min
